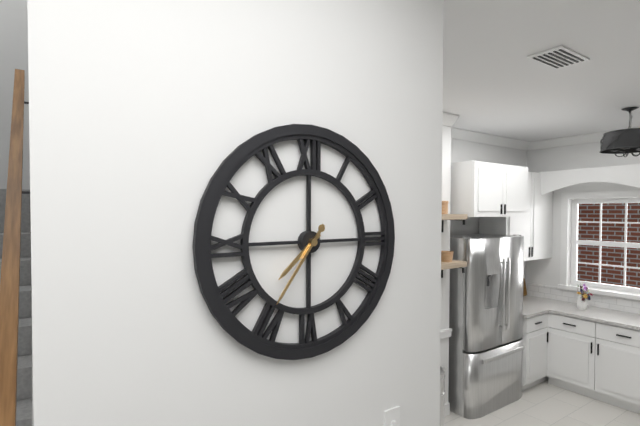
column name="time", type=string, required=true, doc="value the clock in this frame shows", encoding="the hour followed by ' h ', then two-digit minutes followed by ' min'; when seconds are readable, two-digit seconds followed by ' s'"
7 h 36 min
